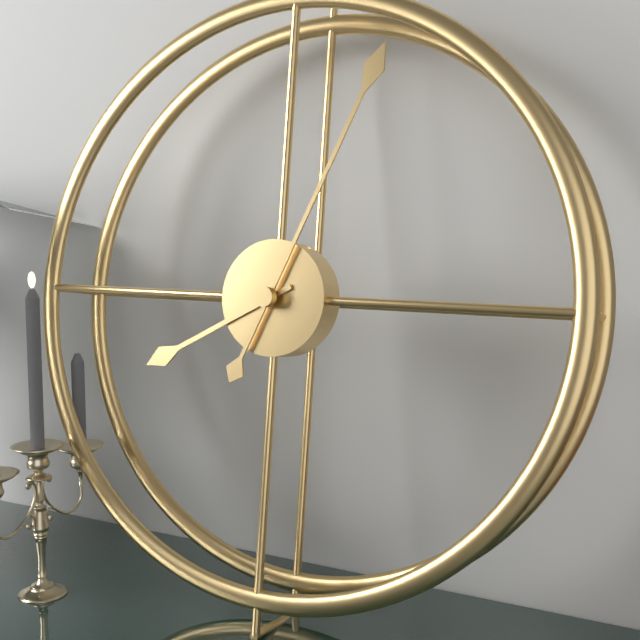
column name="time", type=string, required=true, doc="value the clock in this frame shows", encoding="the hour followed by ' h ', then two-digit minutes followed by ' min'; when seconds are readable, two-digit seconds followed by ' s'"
8 h 04 min
